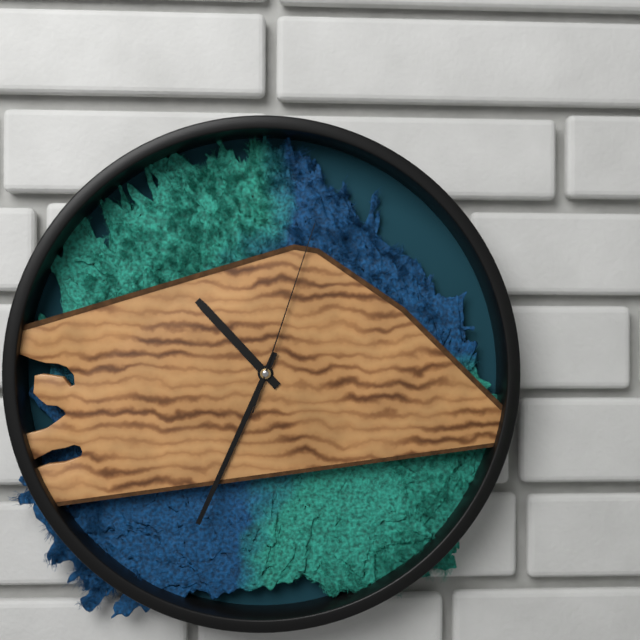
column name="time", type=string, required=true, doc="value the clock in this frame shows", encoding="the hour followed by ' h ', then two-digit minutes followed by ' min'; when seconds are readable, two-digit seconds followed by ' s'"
10 h 34 min 03 s
